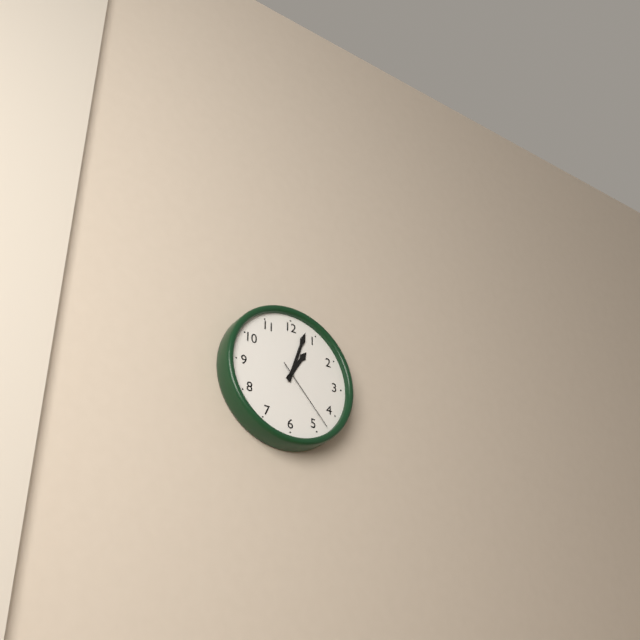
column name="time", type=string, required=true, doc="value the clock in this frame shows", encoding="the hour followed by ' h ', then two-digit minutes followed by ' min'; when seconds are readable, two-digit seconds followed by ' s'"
1 h 03 min 23 s
